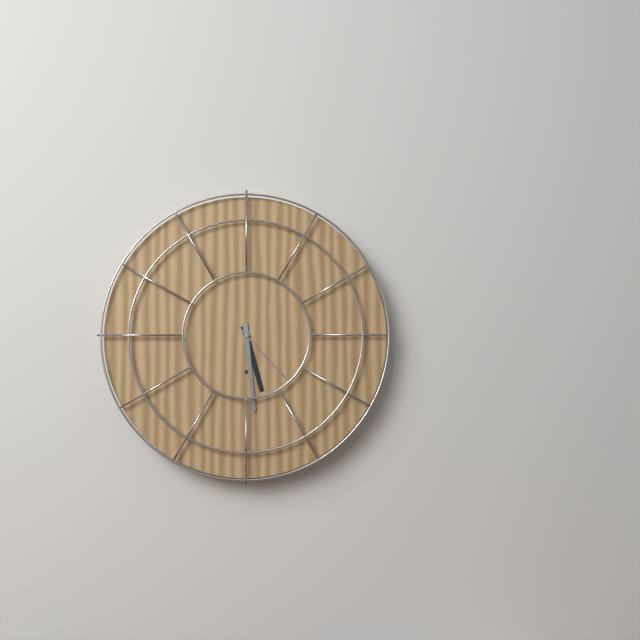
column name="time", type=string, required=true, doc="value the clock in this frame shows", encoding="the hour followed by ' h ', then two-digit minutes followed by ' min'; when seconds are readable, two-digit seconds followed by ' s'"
5 h 29 min 23 s
